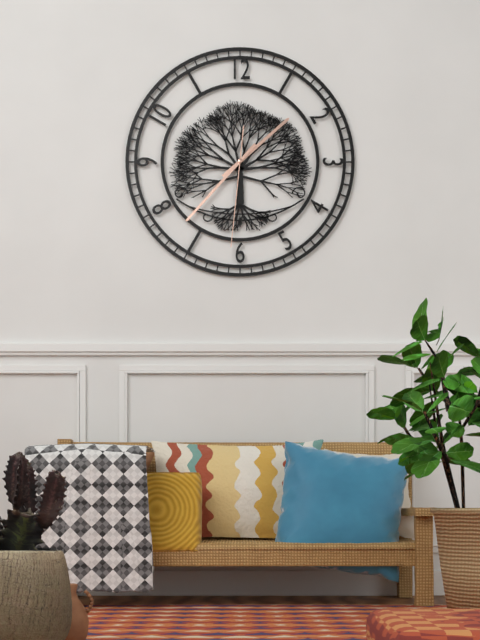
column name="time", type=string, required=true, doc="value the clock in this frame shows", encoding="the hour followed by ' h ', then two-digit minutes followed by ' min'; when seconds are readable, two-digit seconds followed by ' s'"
1 h 37 min 31 s
